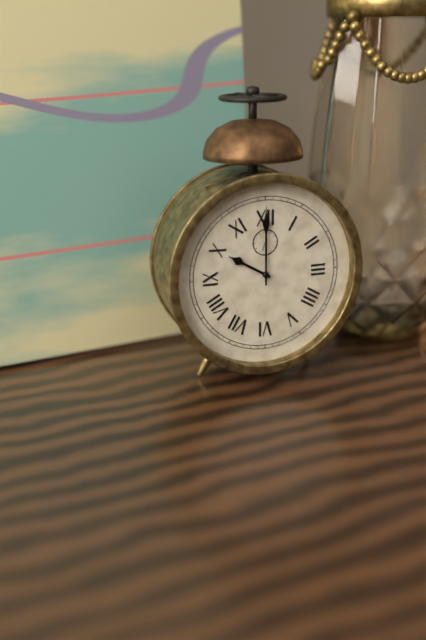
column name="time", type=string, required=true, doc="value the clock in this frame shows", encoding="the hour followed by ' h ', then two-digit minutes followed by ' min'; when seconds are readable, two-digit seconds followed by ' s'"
10 h 00 min
